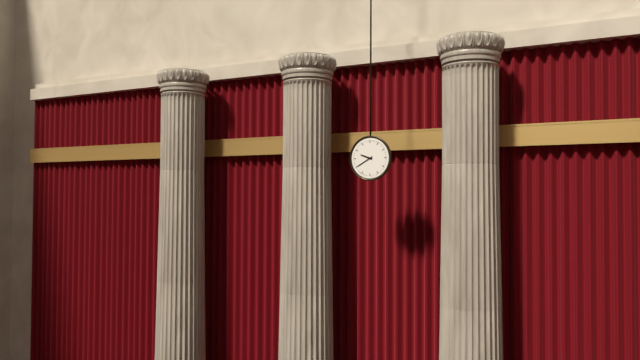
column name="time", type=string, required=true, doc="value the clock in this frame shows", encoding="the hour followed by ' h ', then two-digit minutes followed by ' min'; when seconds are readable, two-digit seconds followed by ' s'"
9 h 40 min
